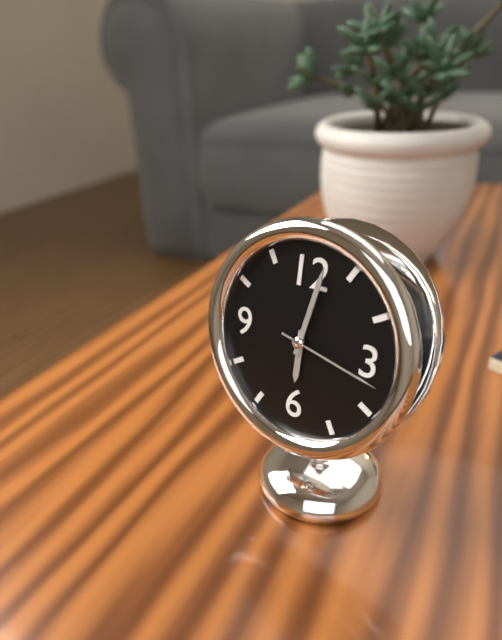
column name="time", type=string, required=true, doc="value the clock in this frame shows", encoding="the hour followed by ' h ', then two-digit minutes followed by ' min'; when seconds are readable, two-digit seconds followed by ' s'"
6 h 02 min 17 s
